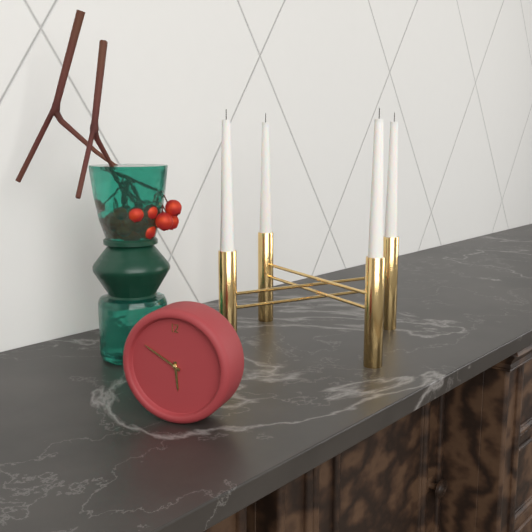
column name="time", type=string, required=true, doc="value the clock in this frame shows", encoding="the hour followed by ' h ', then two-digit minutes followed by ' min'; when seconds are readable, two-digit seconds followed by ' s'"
5 h 50 min
